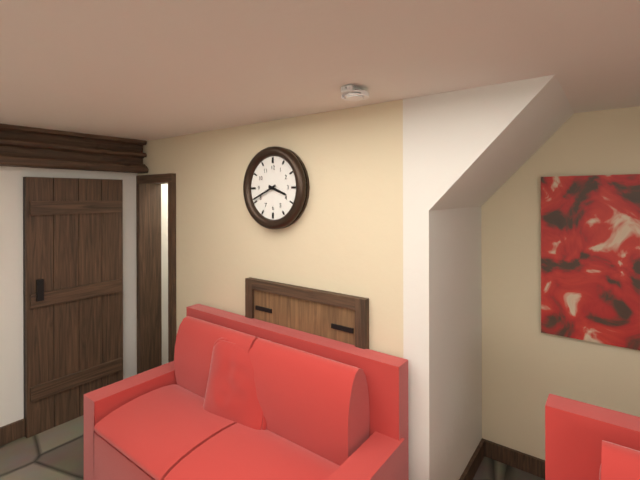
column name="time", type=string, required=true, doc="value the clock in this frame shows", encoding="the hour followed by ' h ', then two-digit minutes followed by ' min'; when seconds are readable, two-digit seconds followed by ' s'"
3 h 41 min
